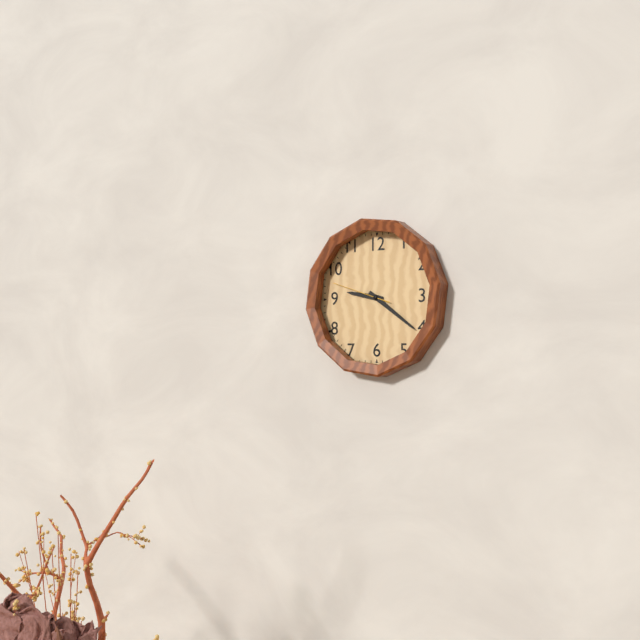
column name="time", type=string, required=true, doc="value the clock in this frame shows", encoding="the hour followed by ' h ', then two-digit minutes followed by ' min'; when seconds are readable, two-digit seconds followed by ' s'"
9 h 21 min 48 s
